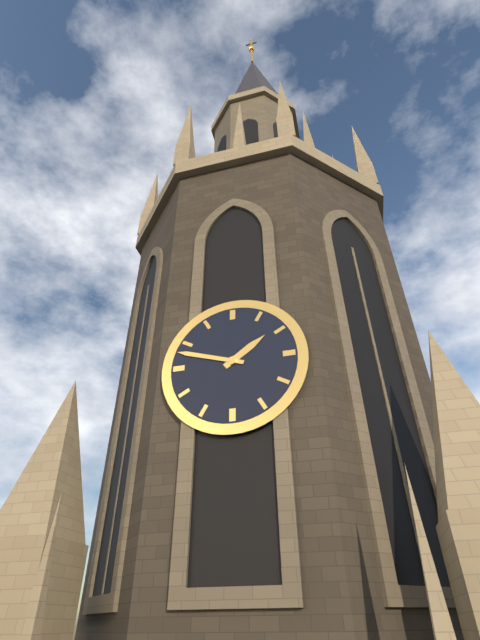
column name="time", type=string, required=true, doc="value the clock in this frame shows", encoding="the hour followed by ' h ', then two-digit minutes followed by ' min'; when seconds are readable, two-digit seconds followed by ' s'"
1 h 48 min
